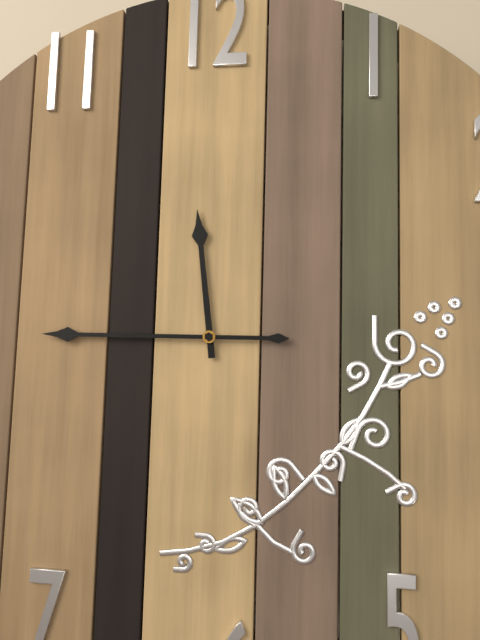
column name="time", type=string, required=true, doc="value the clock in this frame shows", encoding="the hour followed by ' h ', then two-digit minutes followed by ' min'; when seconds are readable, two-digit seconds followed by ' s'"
11 h 45 min
